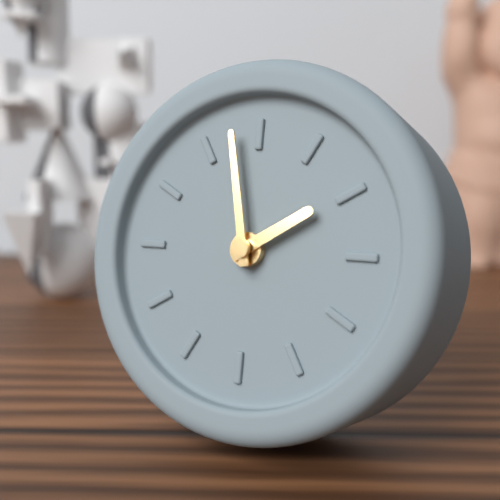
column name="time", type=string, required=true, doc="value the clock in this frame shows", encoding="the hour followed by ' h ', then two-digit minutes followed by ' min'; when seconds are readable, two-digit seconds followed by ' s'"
1 h 58 min
